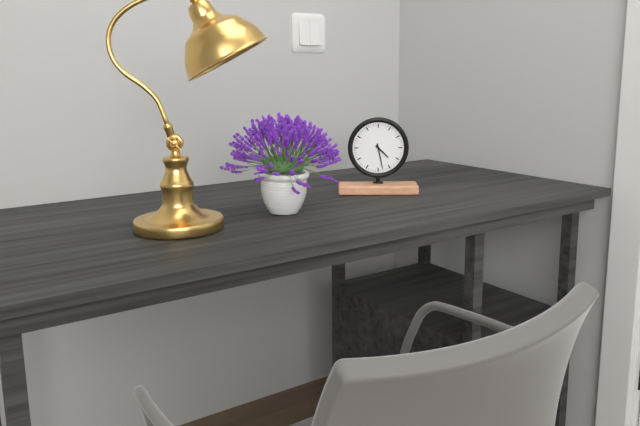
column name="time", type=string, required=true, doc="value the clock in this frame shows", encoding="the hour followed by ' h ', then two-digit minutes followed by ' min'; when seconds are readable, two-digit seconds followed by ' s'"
4 h 28 min
